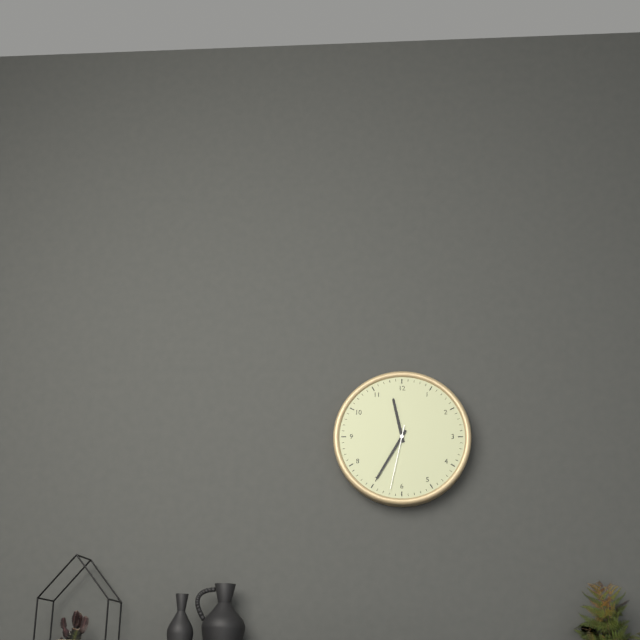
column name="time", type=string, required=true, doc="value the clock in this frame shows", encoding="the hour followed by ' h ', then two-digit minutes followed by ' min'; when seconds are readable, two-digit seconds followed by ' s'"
11 h 35 min 32 s
